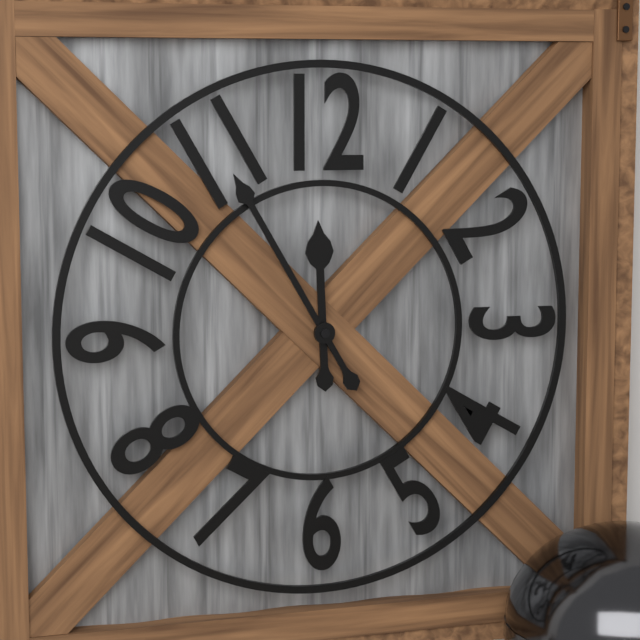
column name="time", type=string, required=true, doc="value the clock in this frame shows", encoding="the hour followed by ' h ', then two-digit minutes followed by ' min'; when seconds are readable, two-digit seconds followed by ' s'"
11 h 55 min
